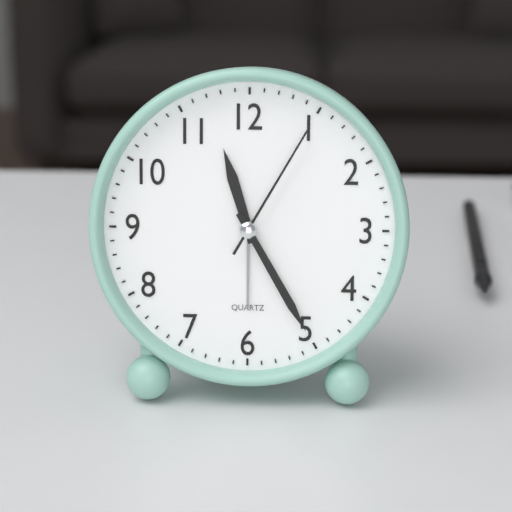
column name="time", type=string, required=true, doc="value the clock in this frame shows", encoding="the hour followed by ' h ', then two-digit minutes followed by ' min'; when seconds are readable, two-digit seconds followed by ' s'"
11 h 25 min 05 s
